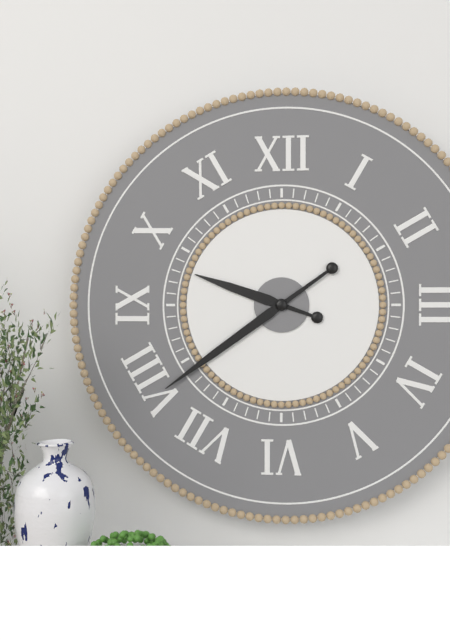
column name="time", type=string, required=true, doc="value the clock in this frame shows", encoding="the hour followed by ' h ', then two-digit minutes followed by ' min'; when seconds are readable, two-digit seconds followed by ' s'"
9 h 39 min
